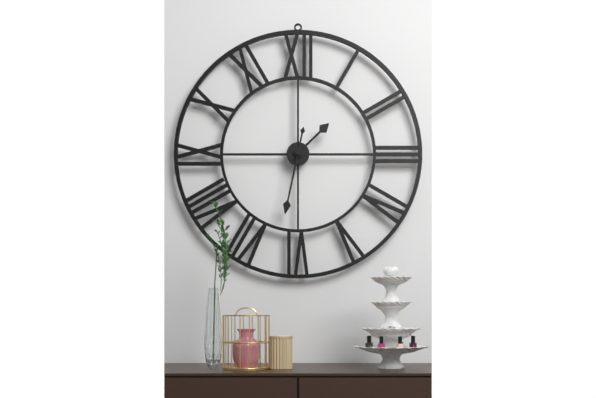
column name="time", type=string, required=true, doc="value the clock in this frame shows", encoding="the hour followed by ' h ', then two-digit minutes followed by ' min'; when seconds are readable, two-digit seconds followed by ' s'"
1 h 32 min
